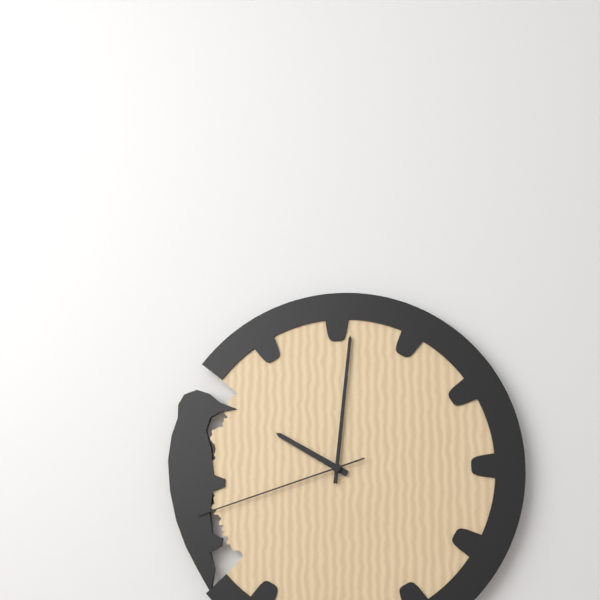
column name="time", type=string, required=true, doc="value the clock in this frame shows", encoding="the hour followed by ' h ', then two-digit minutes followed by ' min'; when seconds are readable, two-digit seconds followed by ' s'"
10 h 01 min 42 s
